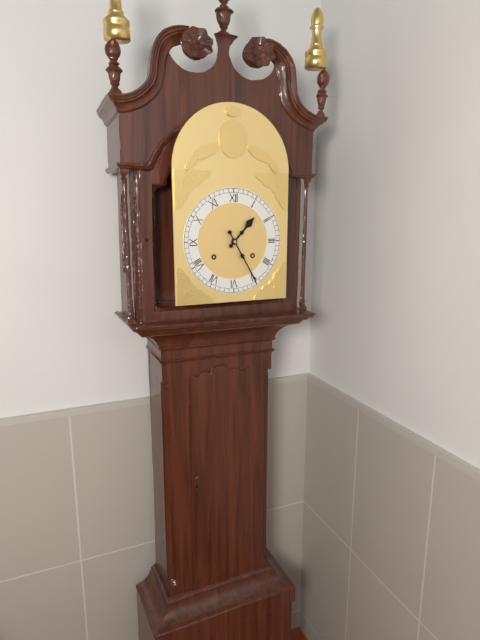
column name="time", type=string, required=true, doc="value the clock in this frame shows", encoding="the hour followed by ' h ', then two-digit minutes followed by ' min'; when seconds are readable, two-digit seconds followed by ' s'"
1 h 25 min
